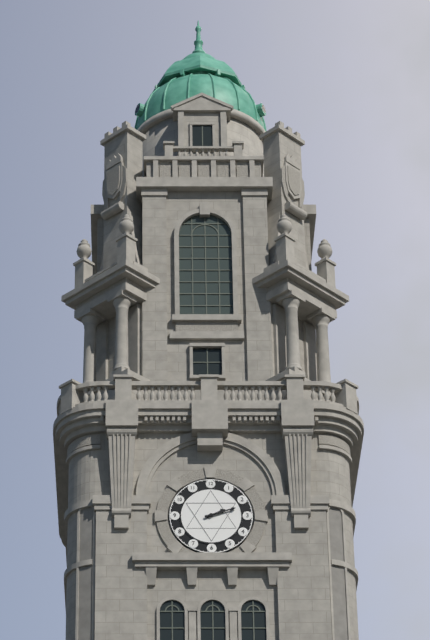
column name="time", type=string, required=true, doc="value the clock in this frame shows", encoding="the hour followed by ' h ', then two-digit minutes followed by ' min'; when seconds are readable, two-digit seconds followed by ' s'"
2 h 12 min
